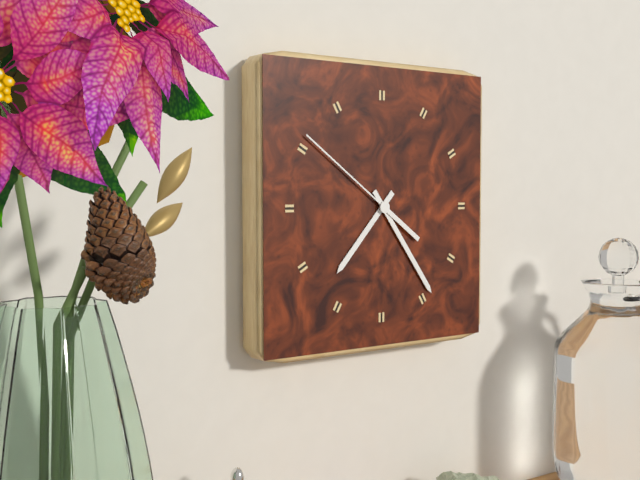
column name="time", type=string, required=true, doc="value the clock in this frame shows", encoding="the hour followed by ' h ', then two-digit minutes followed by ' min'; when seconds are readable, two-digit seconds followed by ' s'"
7 h 24 min 51 s
